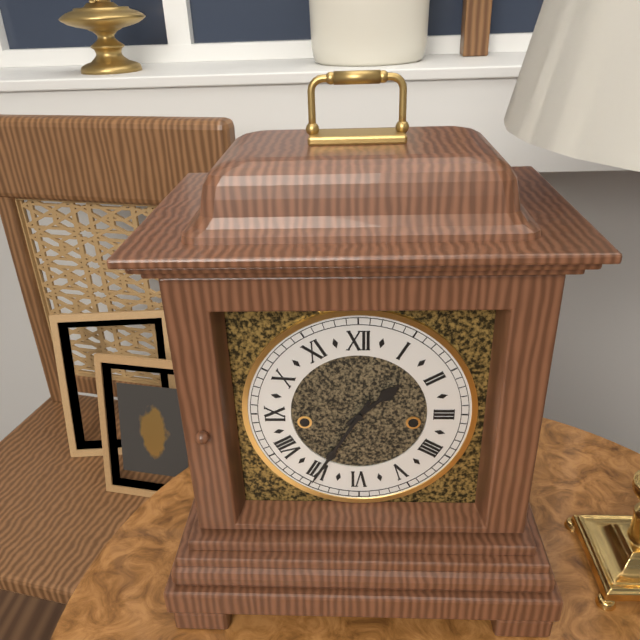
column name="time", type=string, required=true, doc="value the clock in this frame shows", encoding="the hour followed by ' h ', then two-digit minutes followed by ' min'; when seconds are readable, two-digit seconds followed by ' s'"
1 h 35 min
